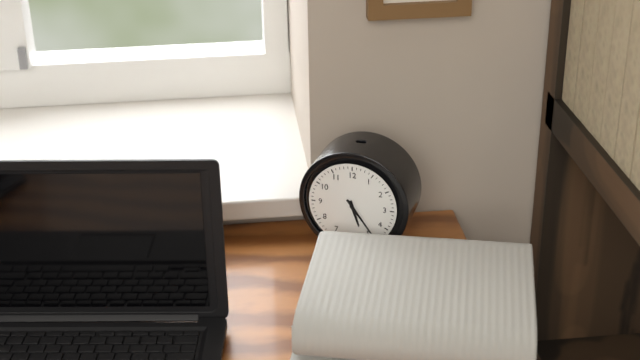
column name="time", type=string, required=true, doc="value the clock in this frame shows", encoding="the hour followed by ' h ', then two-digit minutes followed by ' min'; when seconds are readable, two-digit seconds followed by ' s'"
5 h 24 min
